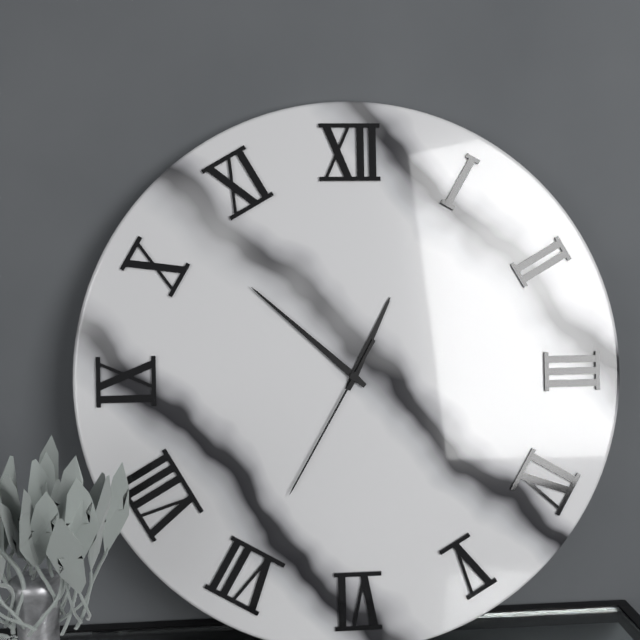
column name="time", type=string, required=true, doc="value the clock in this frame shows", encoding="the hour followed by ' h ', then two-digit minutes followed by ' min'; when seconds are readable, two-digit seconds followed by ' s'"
12 h 52 min 35 s
